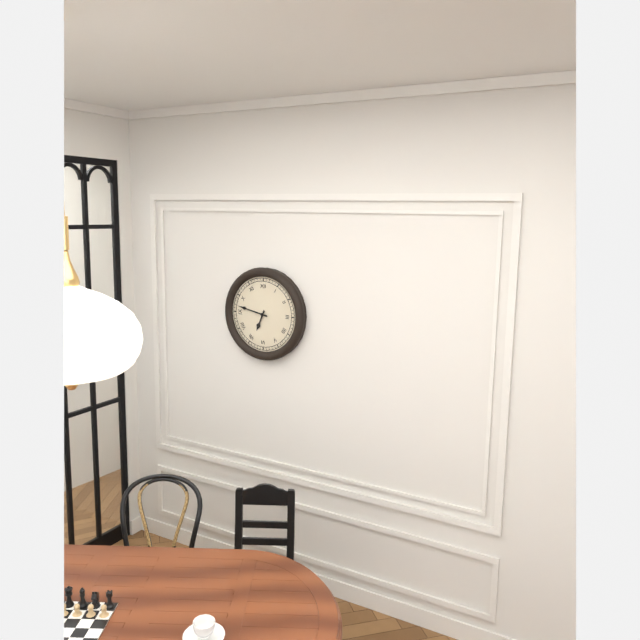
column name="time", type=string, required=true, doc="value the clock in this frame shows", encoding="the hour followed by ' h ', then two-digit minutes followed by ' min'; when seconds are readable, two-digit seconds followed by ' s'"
6 h 47 min
